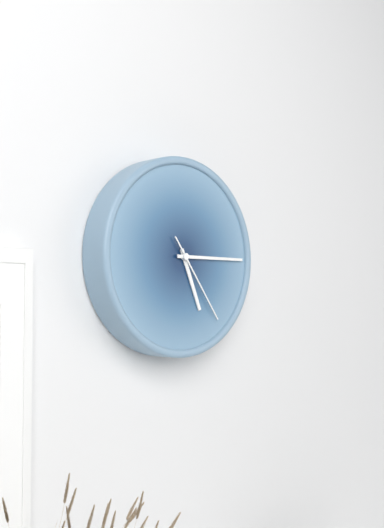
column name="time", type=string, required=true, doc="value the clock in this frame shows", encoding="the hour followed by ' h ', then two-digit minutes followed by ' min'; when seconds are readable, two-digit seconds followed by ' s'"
5 h 15 min 24 s
